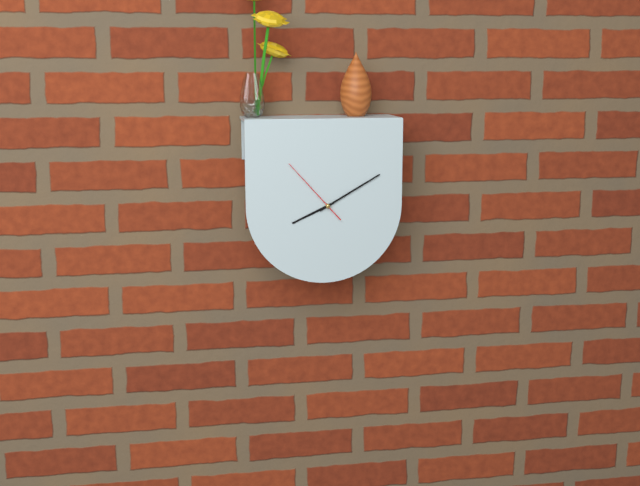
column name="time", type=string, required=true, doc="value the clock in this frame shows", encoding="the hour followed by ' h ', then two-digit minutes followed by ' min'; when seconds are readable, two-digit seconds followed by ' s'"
8 h 10 min 53 s
